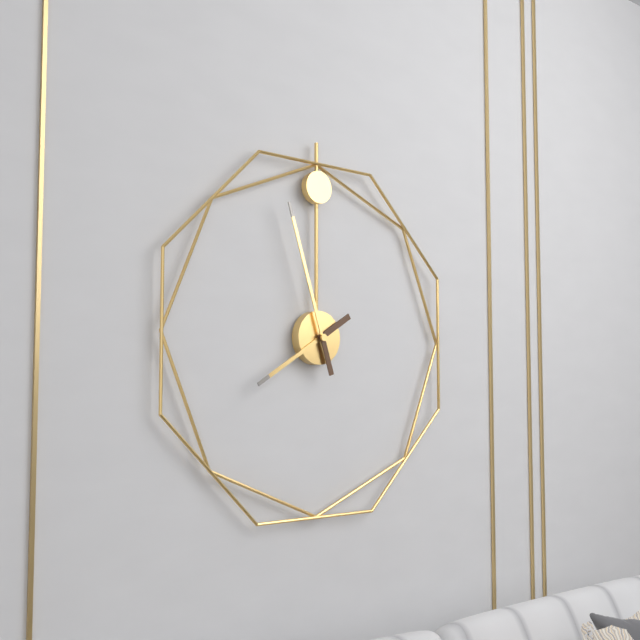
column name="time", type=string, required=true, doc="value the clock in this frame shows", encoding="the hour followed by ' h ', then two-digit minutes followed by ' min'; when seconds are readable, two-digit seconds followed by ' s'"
7 h 57 min
